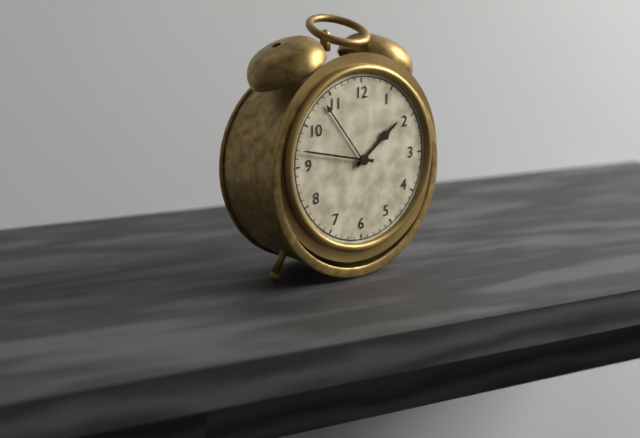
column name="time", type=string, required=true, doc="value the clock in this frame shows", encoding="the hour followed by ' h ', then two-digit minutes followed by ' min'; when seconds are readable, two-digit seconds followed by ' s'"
1 h 47 min
